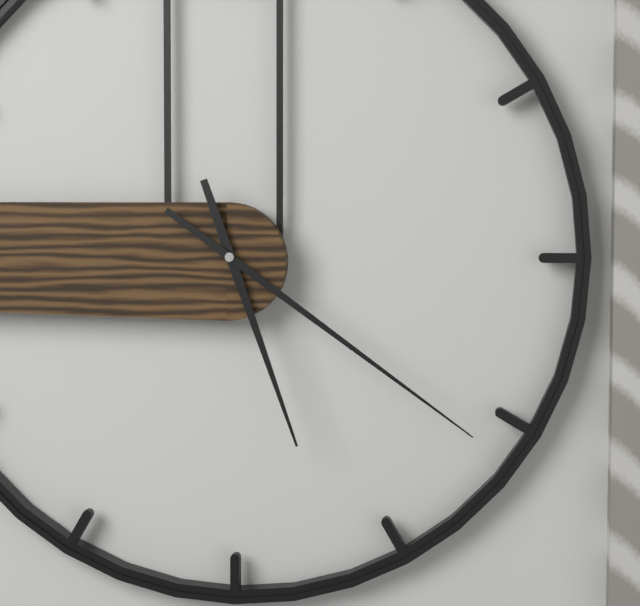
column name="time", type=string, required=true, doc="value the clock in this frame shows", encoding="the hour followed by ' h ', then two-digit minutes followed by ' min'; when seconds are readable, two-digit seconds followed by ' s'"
5 h 21 min
